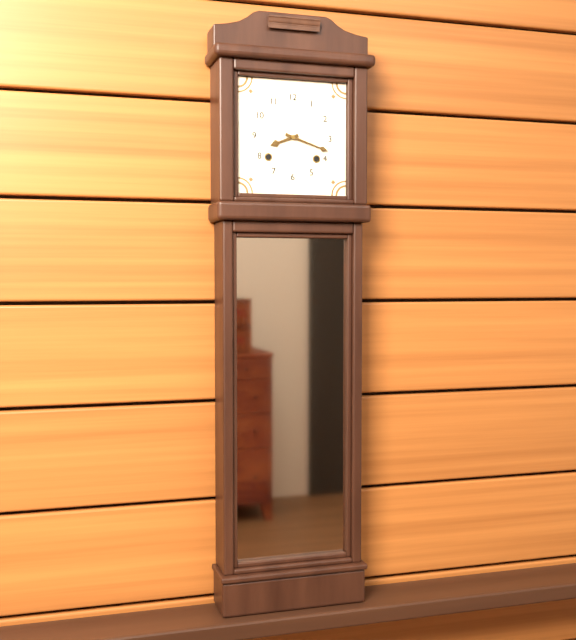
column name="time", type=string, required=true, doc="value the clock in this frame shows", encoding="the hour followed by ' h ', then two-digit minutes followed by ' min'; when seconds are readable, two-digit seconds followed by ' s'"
8 h 18 min
